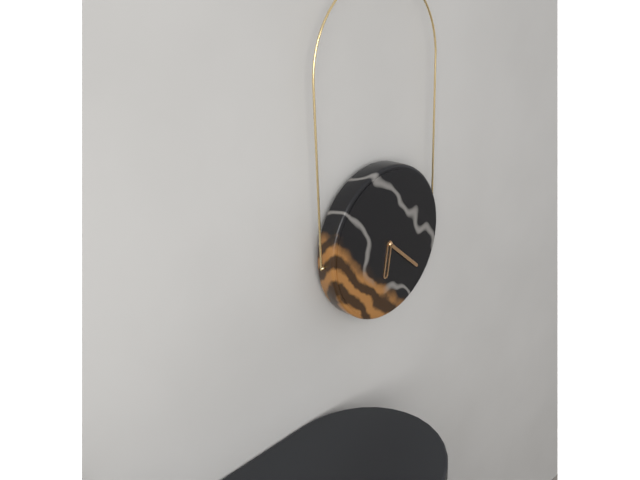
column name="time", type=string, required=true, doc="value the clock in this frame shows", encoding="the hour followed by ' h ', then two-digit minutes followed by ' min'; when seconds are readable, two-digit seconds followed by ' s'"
6 h 22 min
